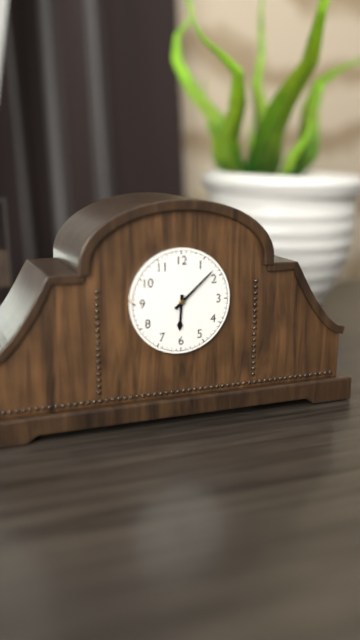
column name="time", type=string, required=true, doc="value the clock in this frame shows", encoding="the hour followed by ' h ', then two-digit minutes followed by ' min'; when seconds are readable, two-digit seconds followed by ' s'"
6 h 08 min
